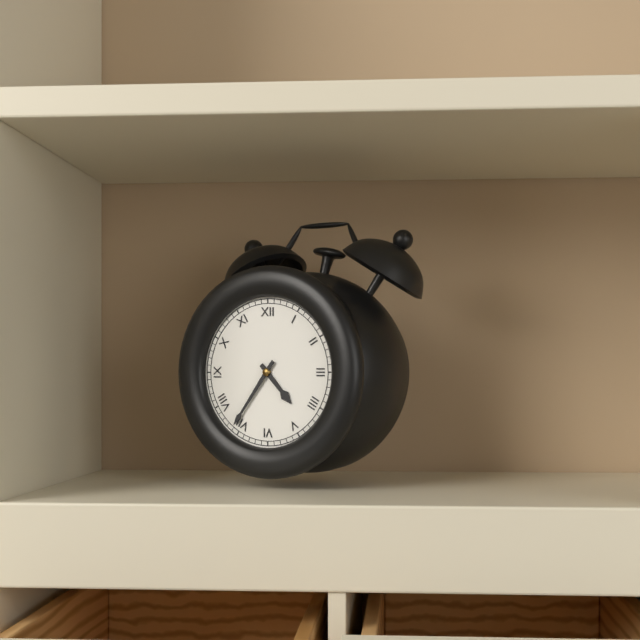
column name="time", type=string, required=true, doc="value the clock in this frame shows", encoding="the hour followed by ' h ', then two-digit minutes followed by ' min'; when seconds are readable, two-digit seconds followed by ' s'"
4 h 36 min
